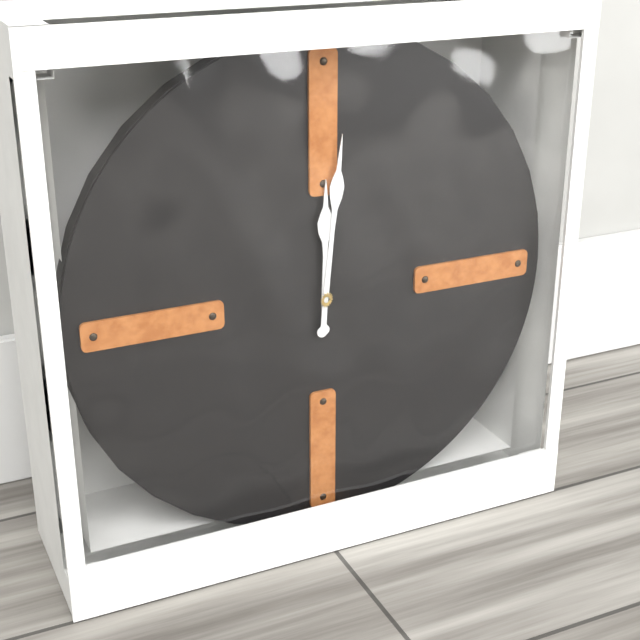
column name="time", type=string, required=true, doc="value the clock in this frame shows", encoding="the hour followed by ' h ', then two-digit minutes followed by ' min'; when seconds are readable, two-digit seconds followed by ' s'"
12 h 01 min
